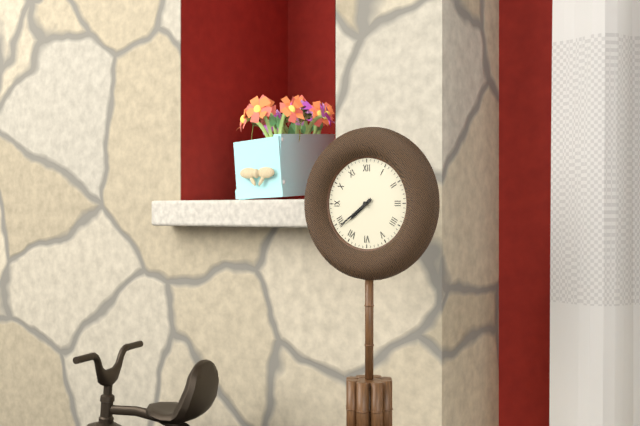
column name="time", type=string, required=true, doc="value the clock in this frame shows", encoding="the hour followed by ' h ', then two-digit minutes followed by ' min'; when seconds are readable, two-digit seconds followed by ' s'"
7 h 39 min
